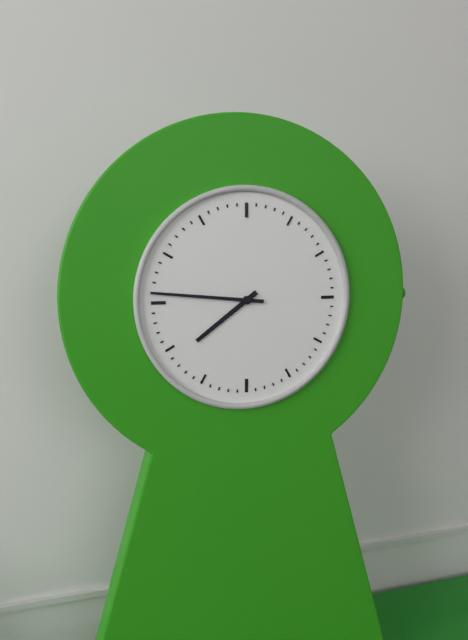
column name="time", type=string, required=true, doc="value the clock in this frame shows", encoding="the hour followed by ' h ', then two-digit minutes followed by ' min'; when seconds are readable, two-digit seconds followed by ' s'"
7 h 46 min
